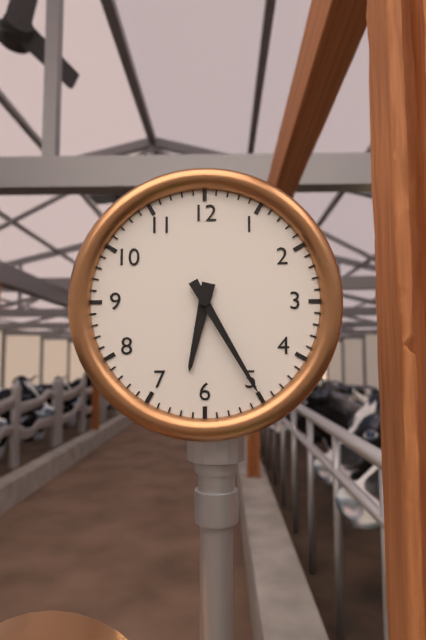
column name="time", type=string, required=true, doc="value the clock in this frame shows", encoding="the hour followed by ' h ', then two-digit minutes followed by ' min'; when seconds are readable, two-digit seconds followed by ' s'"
6 h 25 min
